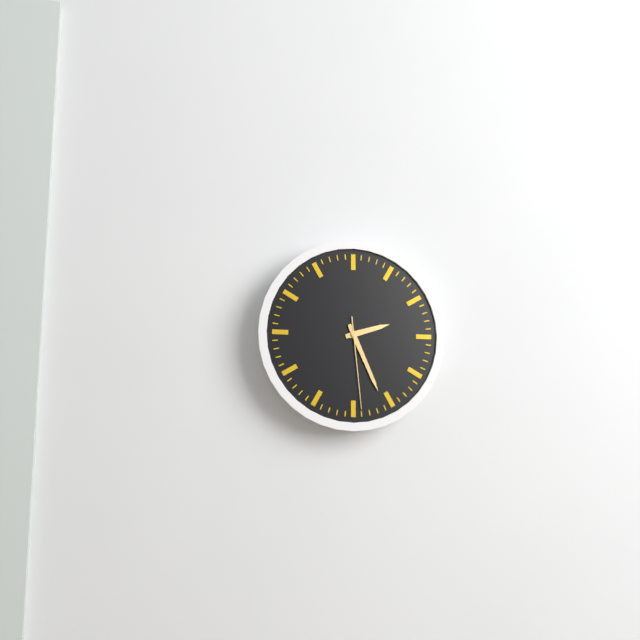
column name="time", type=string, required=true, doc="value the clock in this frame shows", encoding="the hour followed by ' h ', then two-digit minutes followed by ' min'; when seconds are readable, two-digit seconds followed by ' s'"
2 h 26 min 29 s
